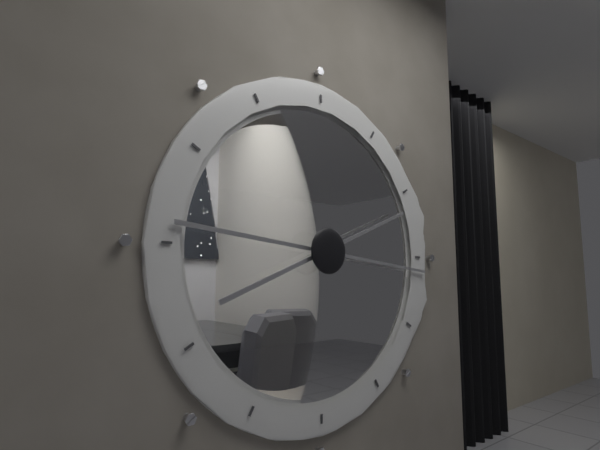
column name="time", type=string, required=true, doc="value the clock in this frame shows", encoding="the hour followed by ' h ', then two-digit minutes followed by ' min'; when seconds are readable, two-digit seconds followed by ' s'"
2 h 16 min
